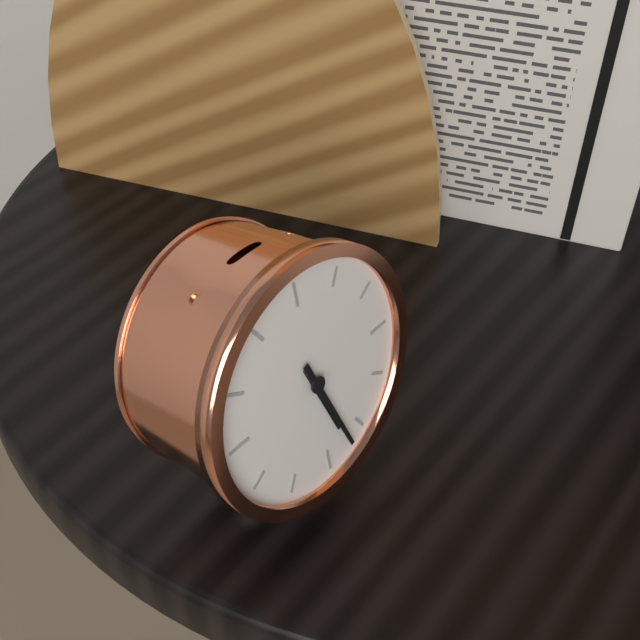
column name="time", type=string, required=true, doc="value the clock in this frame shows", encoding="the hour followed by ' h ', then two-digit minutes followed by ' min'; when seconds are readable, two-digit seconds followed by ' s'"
5 h 27 min
